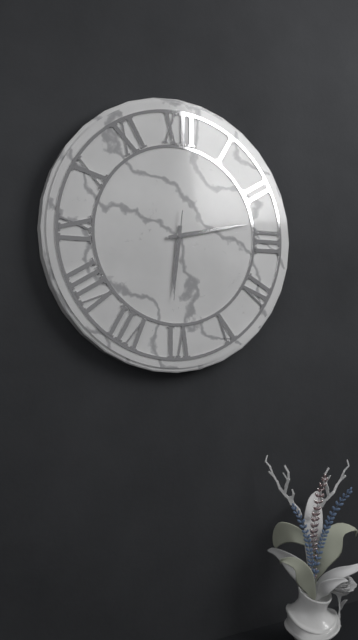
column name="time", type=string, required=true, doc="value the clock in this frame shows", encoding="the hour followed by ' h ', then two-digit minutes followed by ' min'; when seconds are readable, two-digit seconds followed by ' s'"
6 h 13 min 31 s
